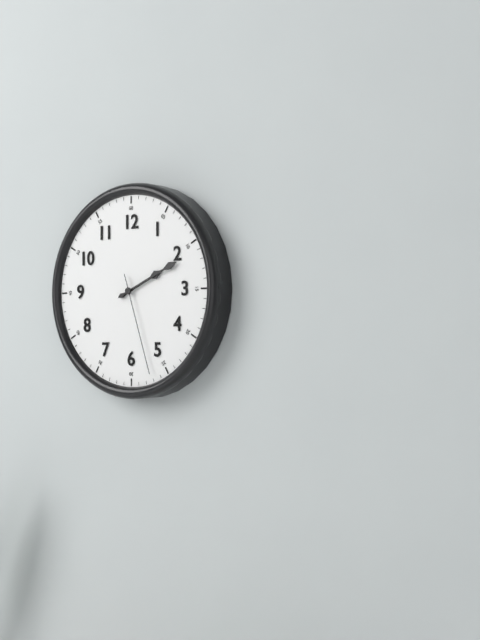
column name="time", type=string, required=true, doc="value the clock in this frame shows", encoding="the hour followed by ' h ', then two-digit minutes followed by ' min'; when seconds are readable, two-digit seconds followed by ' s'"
2 h 11 min 27 s
